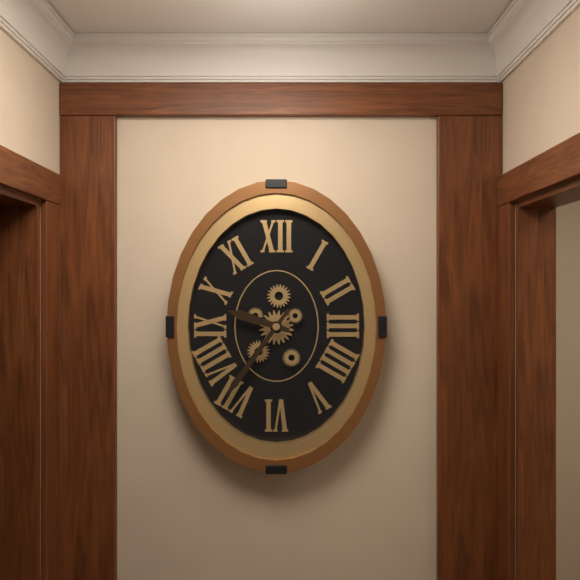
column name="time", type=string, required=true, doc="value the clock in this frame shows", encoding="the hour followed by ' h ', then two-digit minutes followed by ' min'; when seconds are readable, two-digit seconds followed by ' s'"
9 h 36 min
